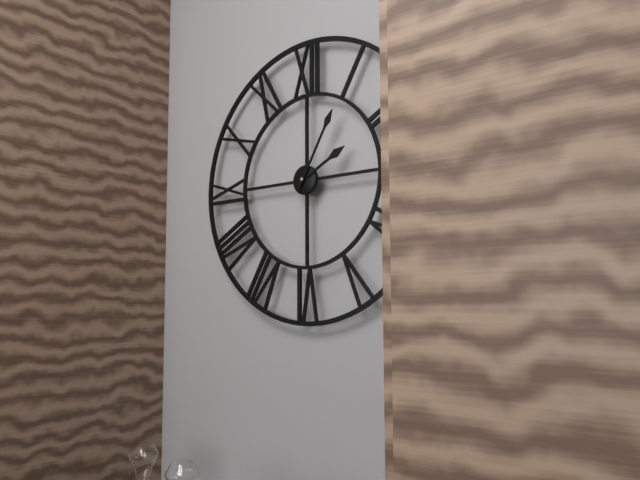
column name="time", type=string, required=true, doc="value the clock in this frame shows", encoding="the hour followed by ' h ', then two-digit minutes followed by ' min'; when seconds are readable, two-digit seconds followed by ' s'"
2 h 05 min
